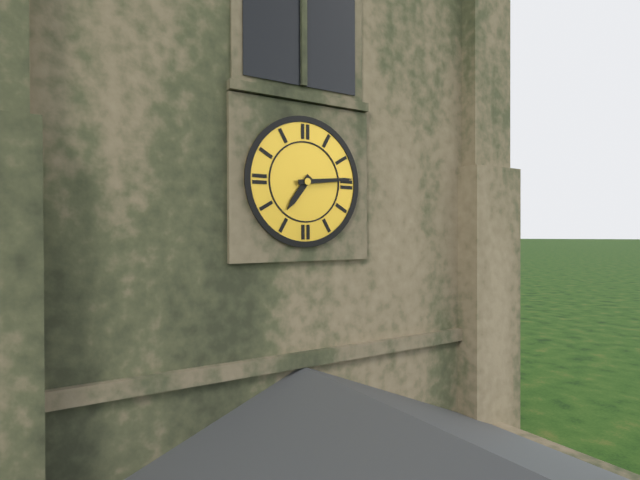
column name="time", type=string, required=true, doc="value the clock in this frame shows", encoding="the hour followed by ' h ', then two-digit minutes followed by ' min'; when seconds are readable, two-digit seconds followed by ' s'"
7 h 14 min
